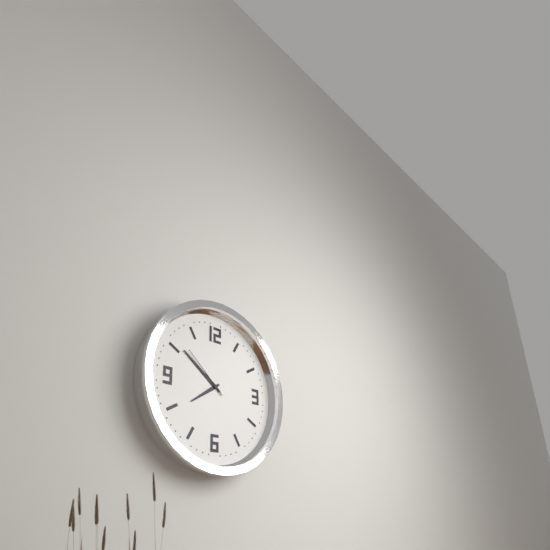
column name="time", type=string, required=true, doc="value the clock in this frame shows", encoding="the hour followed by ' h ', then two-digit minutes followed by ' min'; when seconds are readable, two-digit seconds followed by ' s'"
7 h 51 min 52 s
